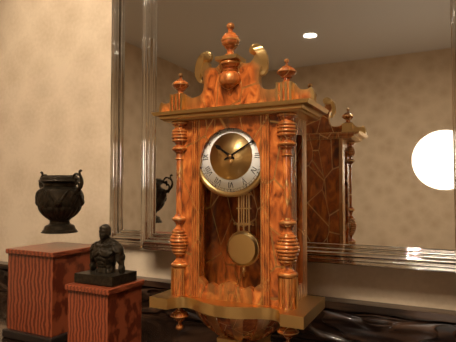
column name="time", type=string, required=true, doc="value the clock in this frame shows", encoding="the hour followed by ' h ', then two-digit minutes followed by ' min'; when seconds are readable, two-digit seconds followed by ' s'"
10 h 10 min
